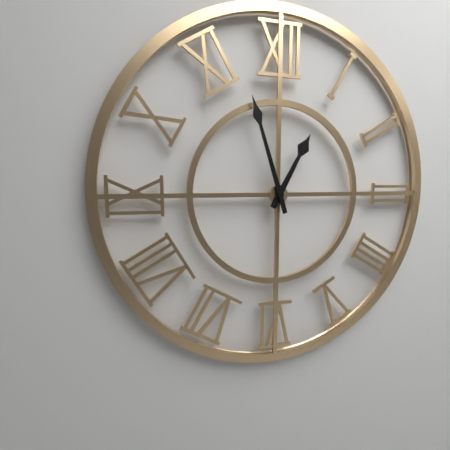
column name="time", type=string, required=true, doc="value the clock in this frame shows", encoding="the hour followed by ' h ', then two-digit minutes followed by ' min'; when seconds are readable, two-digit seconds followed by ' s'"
12 h 57 min
